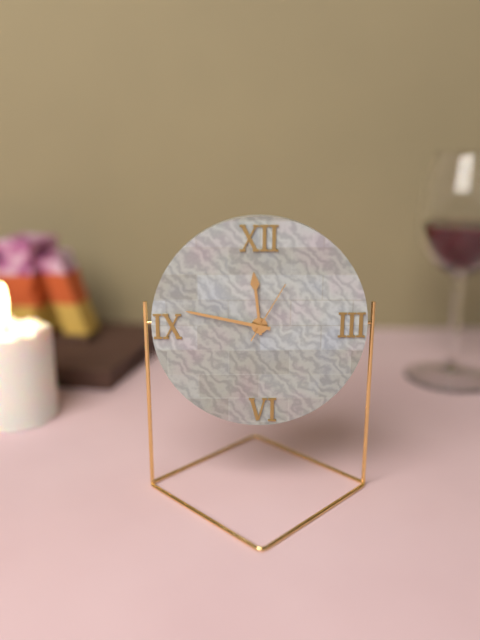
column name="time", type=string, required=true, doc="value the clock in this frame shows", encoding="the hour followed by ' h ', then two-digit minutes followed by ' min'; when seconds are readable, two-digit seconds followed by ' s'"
11 h 47 min 05 s
